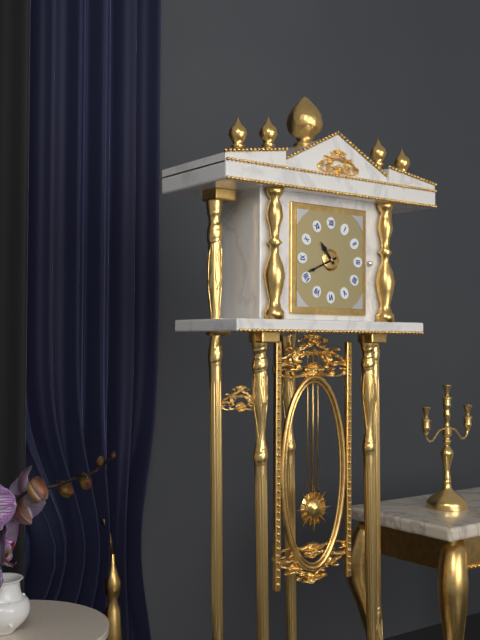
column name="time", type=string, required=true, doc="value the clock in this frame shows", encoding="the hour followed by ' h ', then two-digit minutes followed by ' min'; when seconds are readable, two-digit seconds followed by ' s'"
10 h 41 min
